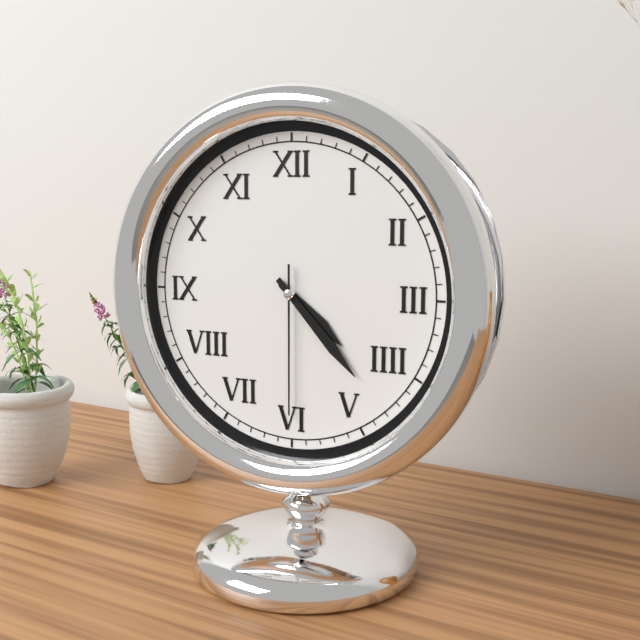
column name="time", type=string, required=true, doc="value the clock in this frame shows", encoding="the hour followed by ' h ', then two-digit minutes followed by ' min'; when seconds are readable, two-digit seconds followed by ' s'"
4 h 23 min 30 s
